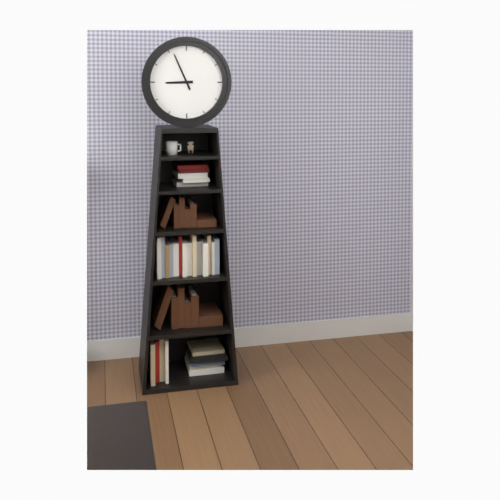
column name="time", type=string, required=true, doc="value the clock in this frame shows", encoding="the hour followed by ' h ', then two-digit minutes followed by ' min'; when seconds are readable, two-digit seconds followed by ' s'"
8 h 56 min
